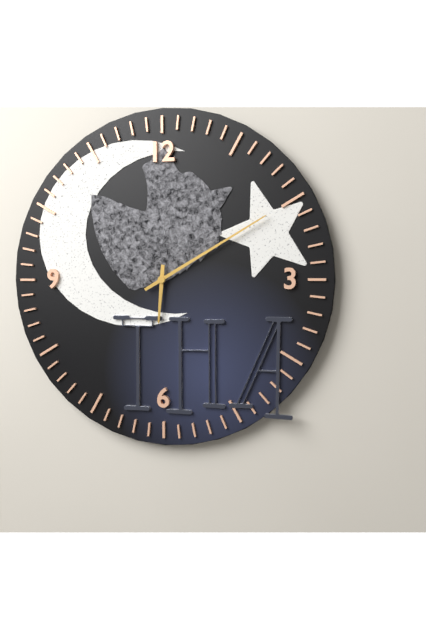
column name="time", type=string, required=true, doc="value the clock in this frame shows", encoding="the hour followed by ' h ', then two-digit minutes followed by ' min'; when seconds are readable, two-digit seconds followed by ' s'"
6 h 10 min
